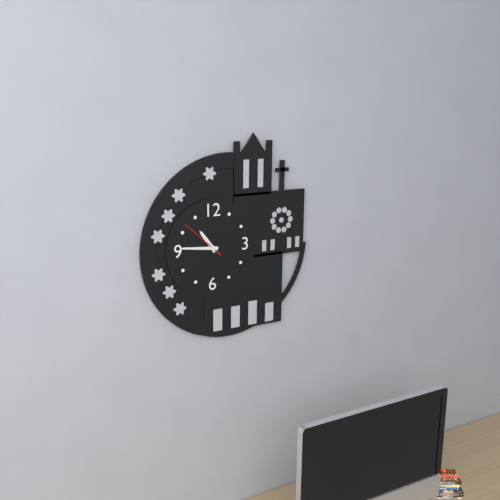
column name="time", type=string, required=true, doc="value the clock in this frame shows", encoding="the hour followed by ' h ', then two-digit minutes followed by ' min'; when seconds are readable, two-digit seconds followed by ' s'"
10 h 46 min
